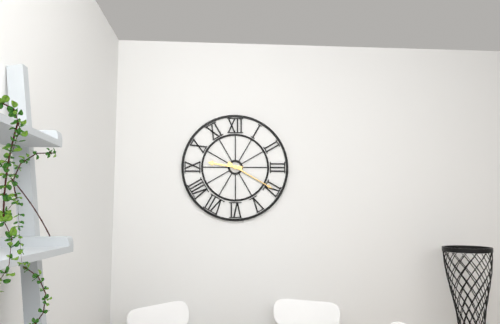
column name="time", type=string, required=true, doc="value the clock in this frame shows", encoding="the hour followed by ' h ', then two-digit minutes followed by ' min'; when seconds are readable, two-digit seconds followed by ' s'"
9 h 20 min
